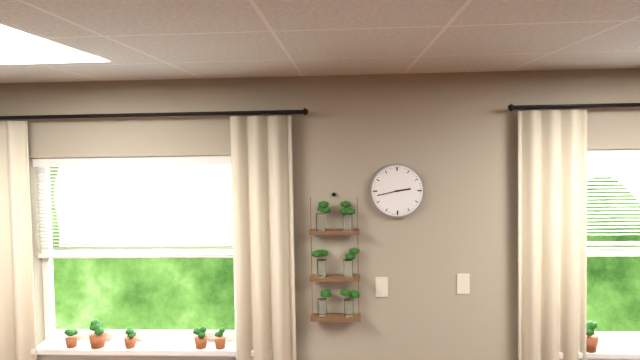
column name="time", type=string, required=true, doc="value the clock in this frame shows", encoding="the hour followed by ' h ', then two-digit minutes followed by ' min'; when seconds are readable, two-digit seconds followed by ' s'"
2 h 43 min
